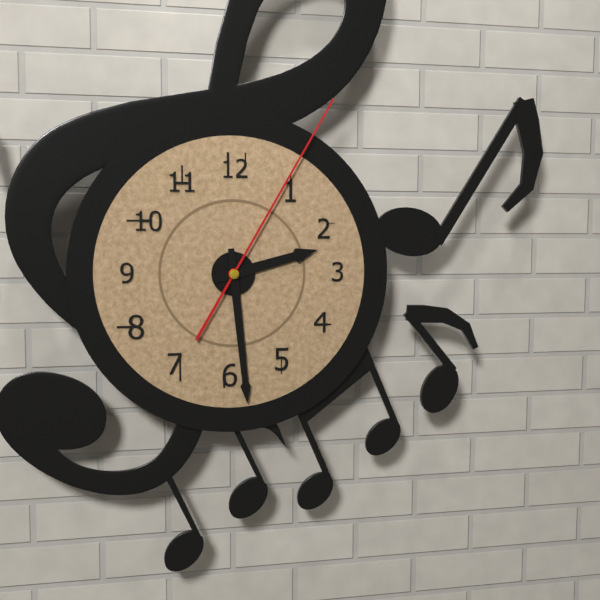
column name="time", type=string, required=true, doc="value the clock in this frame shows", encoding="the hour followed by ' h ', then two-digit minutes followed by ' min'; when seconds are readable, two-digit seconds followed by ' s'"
2 h 29 min 05 s
